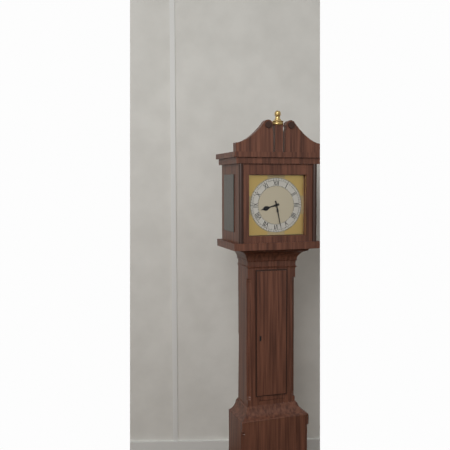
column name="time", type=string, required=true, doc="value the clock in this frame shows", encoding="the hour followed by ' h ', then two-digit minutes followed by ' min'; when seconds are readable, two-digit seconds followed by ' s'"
8 h 28 min
